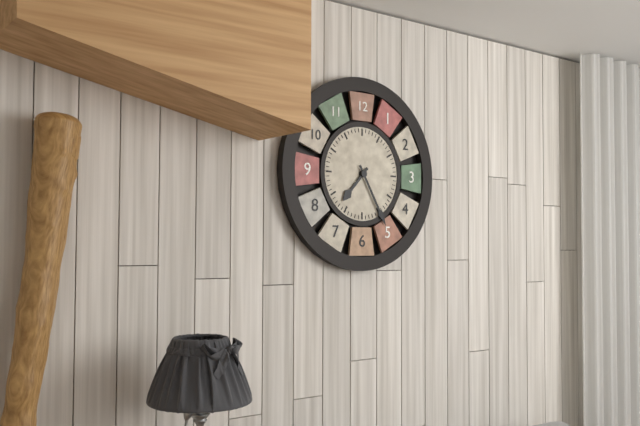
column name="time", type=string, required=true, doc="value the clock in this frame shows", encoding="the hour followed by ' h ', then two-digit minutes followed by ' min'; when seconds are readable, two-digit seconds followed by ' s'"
7 h 25 min
